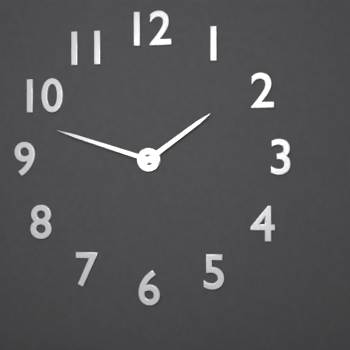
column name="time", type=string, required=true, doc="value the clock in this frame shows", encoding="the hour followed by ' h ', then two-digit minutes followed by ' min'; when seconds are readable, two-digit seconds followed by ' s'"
1 h 48 min
